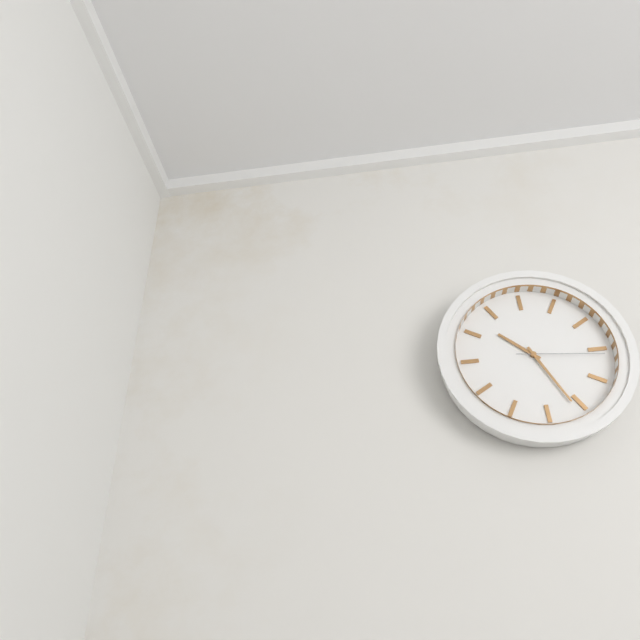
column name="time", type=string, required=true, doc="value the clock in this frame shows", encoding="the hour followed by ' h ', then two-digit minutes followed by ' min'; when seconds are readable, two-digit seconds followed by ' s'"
10 h 26 min 16 s
